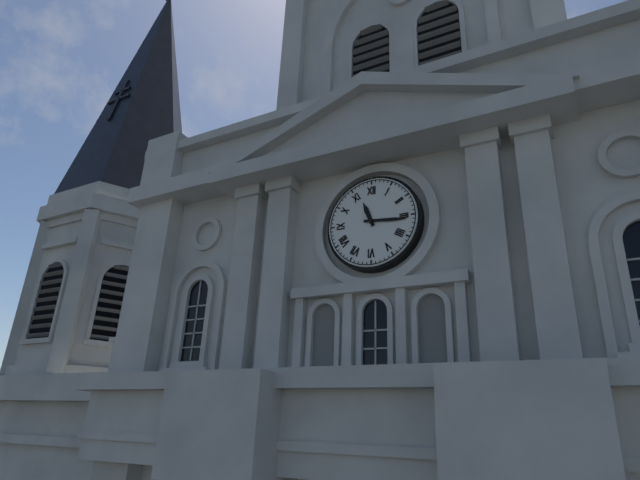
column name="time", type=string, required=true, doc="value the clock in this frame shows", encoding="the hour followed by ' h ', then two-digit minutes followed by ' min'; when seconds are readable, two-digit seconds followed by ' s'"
11 h 16 min
